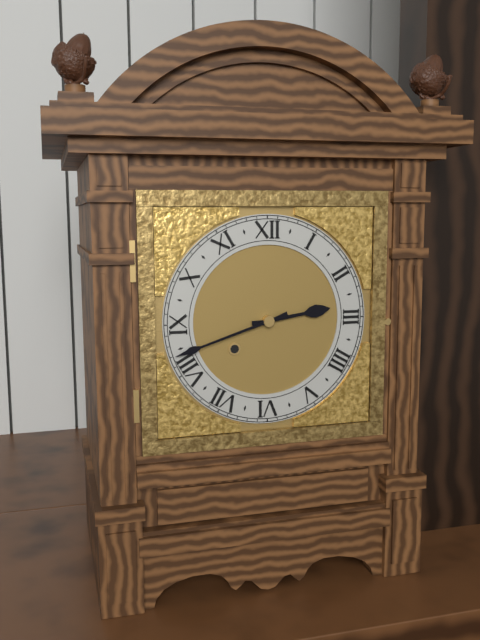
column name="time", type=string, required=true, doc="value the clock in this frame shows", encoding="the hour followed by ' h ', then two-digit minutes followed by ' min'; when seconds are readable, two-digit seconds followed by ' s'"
2 h 42 min
